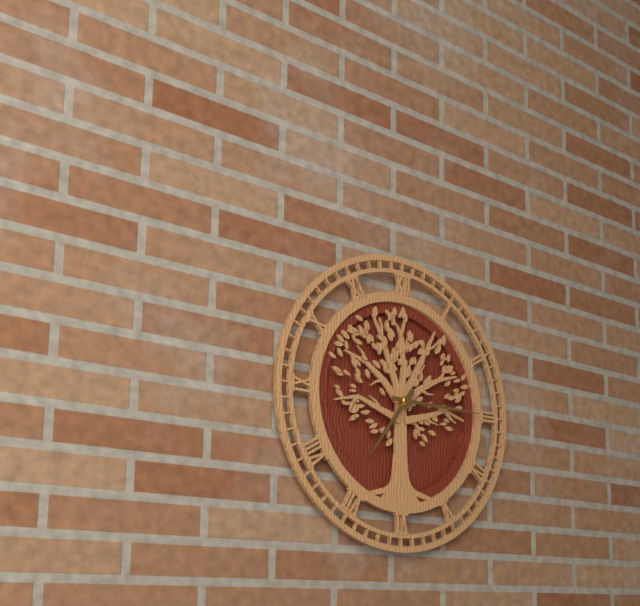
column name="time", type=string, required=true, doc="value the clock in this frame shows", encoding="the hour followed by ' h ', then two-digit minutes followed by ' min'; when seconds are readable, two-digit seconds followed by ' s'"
7 h 15 min
